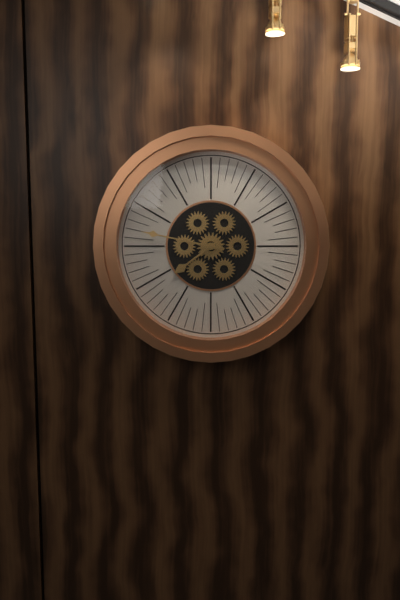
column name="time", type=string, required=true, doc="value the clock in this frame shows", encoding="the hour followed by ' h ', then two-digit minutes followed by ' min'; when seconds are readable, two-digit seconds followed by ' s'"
7 h 47 min
